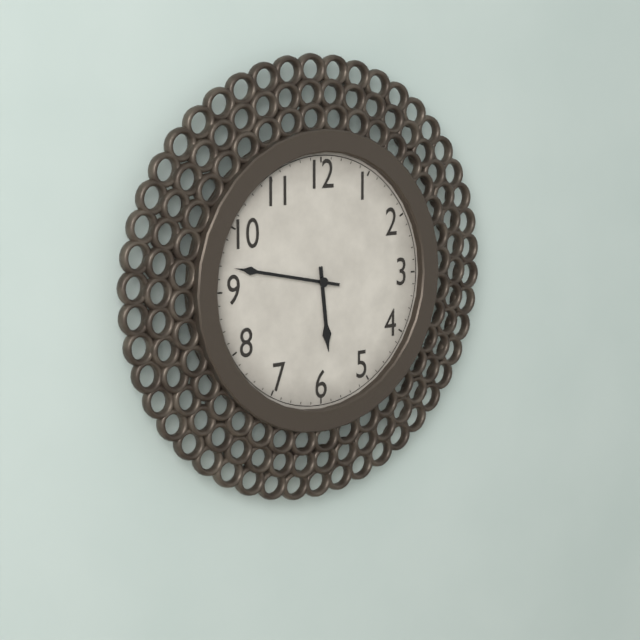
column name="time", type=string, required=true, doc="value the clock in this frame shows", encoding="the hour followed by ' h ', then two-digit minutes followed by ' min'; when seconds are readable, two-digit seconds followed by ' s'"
5 h 47 min
